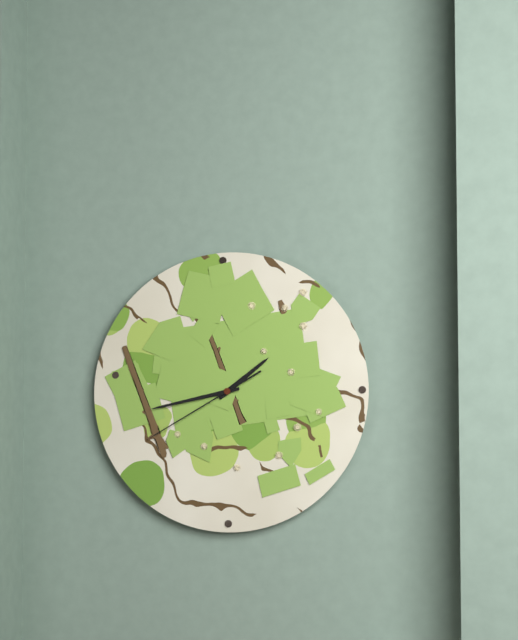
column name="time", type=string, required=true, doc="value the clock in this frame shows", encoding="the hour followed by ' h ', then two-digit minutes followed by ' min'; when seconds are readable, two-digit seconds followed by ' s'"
1 h 43 min 40 s
